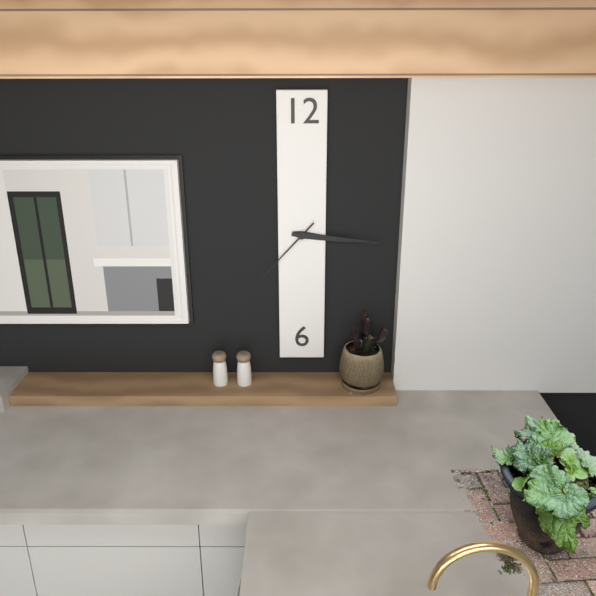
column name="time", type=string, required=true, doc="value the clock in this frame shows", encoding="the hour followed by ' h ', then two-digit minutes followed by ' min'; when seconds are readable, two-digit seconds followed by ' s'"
3 h 16 min 37 s
